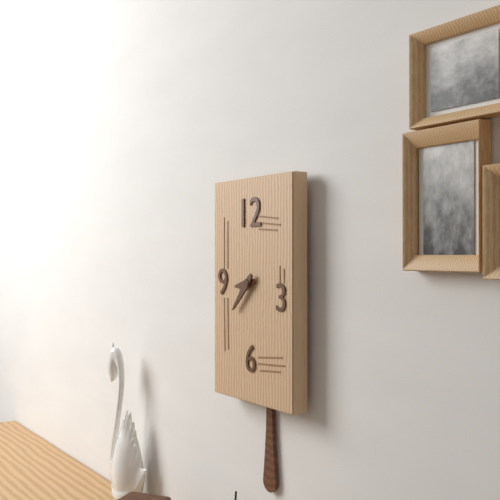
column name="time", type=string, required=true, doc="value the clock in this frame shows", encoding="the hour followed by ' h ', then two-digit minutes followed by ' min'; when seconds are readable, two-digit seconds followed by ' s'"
8 h 37 min
